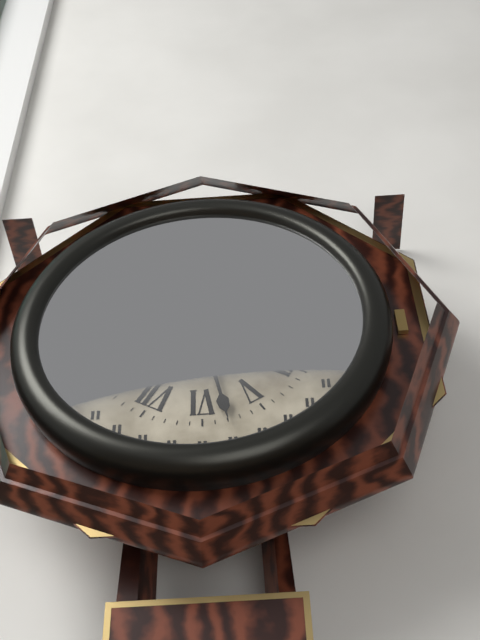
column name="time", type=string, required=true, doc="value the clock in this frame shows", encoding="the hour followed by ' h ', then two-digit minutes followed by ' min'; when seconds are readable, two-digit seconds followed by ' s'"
1 h 28 min
